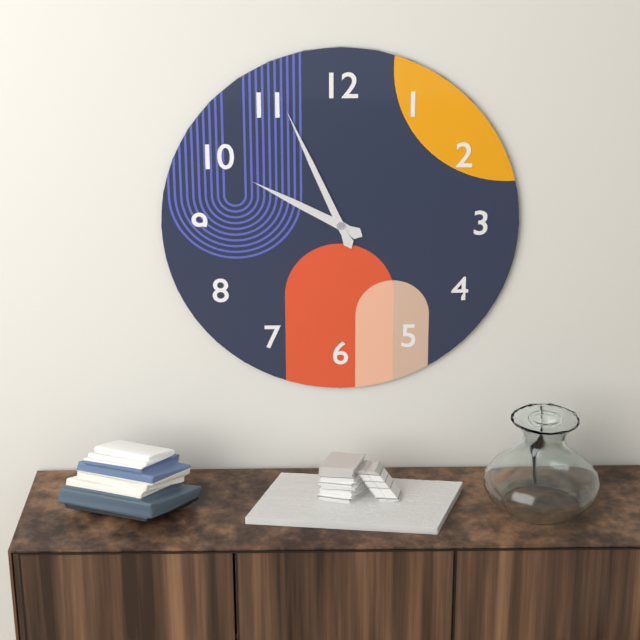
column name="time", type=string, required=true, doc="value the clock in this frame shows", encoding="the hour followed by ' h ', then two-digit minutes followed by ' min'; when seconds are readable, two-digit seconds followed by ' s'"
9 h 56 min
